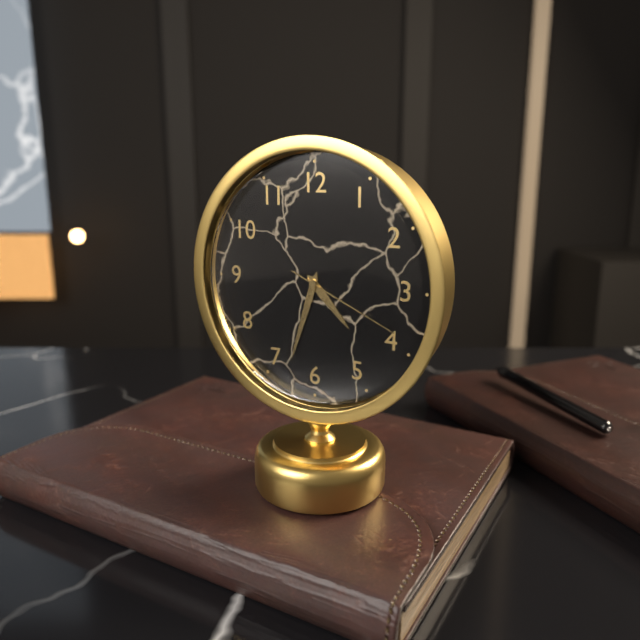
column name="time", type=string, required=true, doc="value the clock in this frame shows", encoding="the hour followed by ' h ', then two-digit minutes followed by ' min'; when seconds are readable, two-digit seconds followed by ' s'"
4 h 33 min 19 s
